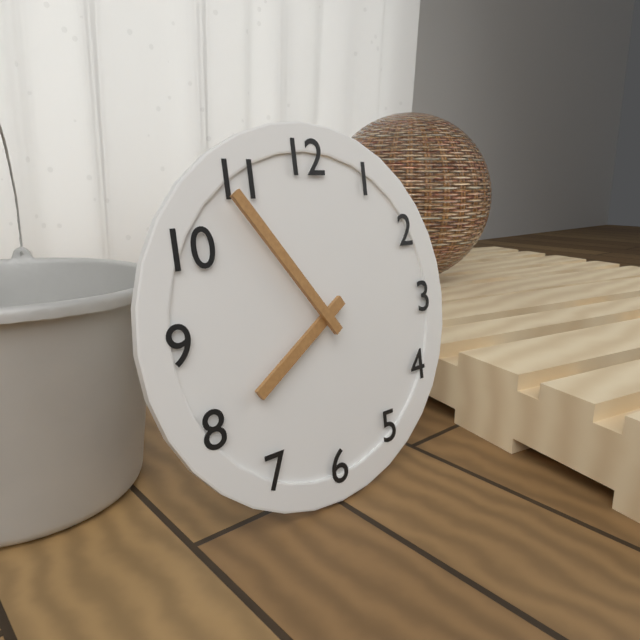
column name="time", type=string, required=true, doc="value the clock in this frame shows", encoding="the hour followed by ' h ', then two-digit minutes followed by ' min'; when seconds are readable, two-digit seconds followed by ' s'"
7 h 54 min
